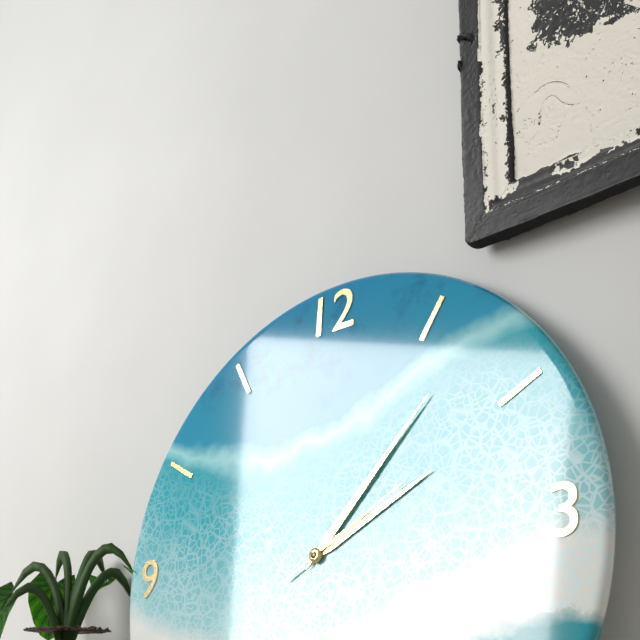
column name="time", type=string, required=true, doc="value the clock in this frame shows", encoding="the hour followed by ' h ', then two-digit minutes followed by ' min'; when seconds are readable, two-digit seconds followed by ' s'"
2 h 07 min 10 s
